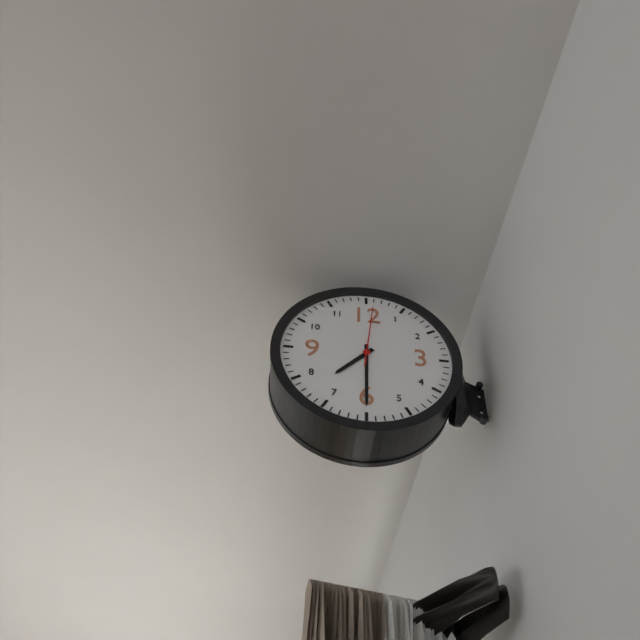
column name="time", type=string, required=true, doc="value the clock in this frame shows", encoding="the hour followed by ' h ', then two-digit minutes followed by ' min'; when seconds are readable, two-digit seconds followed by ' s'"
7 h 30 min 01 s
